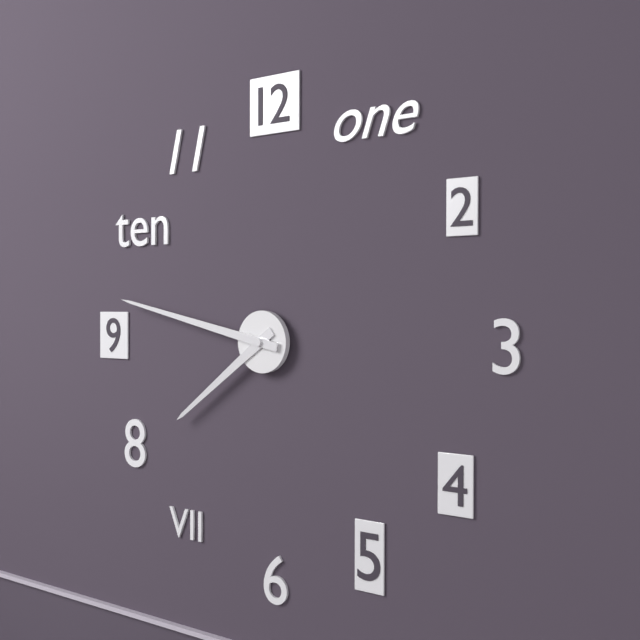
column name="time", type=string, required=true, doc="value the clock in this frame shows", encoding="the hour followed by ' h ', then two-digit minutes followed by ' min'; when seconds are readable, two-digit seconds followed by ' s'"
7 h 47 min
